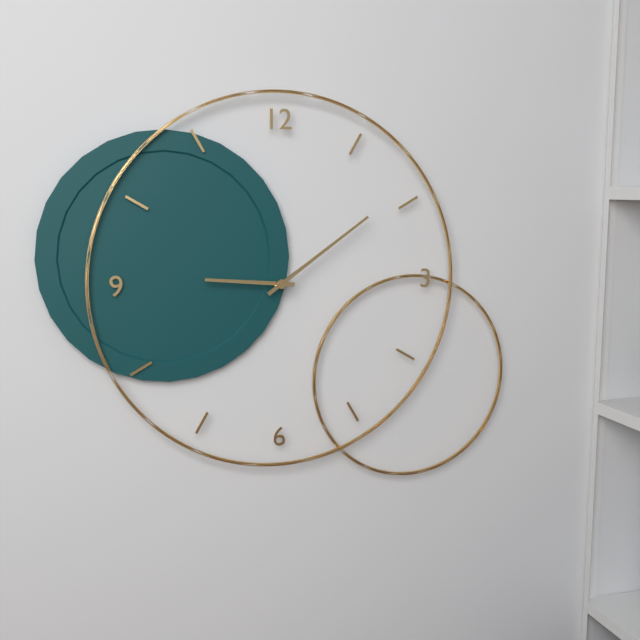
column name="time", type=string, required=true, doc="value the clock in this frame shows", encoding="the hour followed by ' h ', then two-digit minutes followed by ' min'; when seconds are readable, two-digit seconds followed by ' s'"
9 h 09 min
